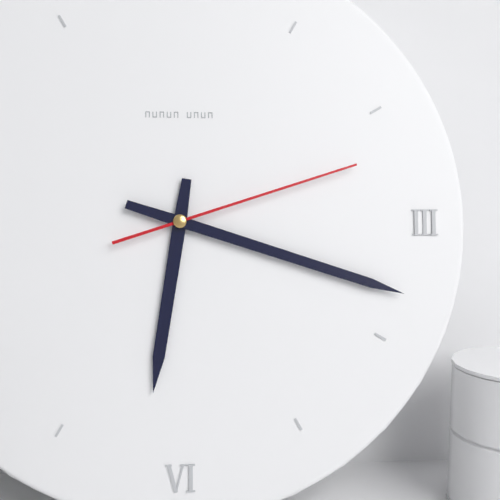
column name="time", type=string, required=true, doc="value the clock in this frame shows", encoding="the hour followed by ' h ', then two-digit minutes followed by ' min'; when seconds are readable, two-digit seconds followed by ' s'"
6 h 18 min 12 s
